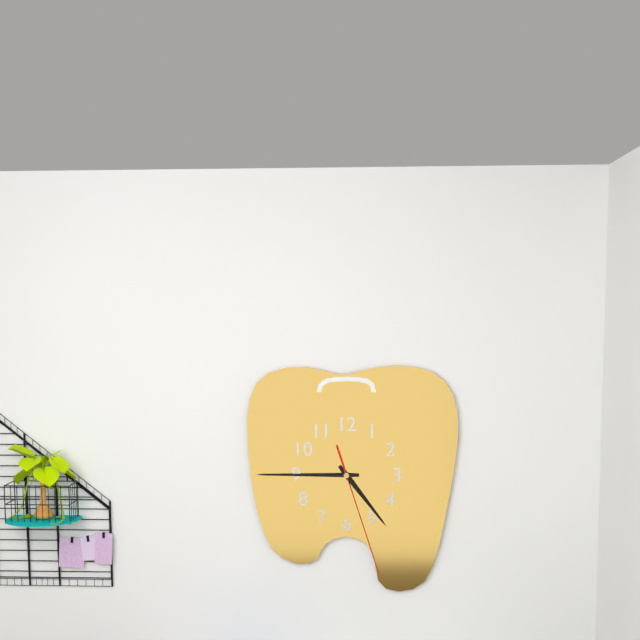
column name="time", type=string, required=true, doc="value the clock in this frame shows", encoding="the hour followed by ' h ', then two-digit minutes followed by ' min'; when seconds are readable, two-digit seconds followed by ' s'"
4 h 45 min 27 s
